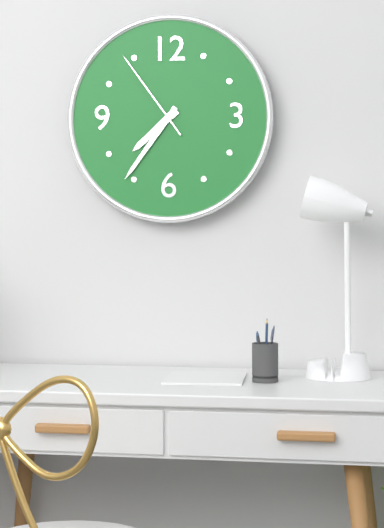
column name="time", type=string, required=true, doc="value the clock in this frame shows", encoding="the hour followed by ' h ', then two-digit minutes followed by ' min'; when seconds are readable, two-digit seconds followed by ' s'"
7 h 36 min 54 s
